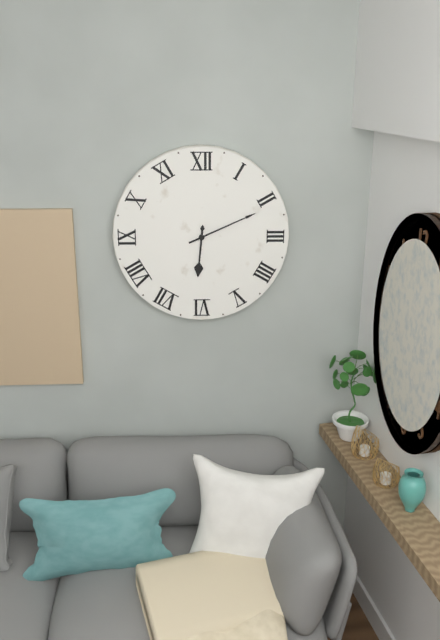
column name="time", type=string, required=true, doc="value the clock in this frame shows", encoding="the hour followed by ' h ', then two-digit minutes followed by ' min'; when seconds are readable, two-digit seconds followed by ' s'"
6 h 11 min
